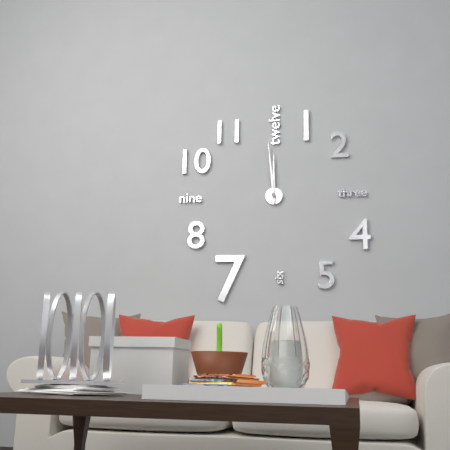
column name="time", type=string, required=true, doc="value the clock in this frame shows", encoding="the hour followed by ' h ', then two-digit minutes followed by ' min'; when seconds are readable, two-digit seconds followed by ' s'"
11 h 59 min
